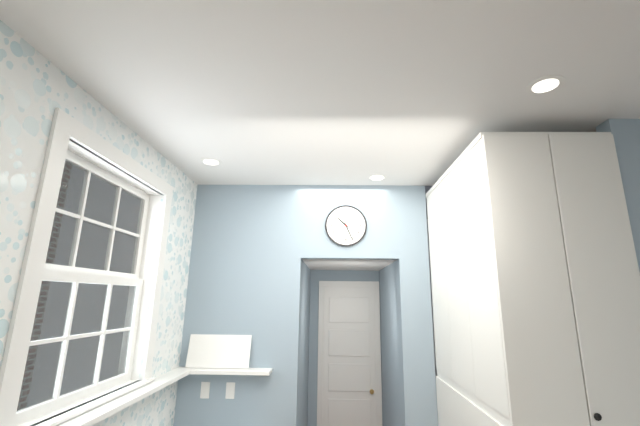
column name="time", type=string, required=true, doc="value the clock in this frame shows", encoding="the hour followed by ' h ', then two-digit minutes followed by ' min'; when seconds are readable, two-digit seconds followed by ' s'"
10 h 26 min
